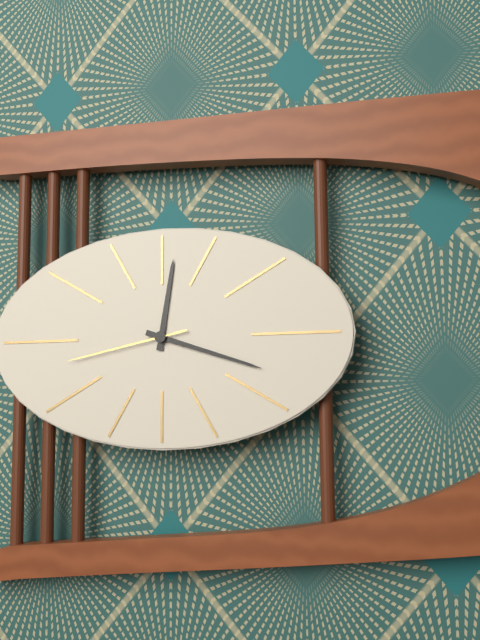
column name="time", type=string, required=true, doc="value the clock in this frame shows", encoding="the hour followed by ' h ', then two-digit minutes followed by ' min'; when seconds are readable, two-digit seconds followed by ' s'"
12 h 18 min 43 s
